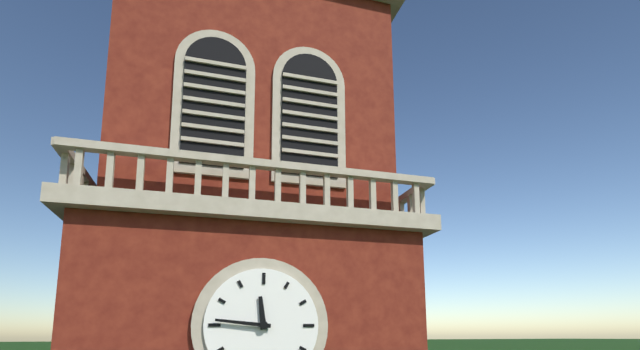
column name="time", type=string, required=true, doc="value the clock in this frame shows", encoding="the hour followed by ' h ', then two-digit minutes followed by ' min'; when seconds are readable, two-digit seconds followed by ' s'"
11 h 46 min
